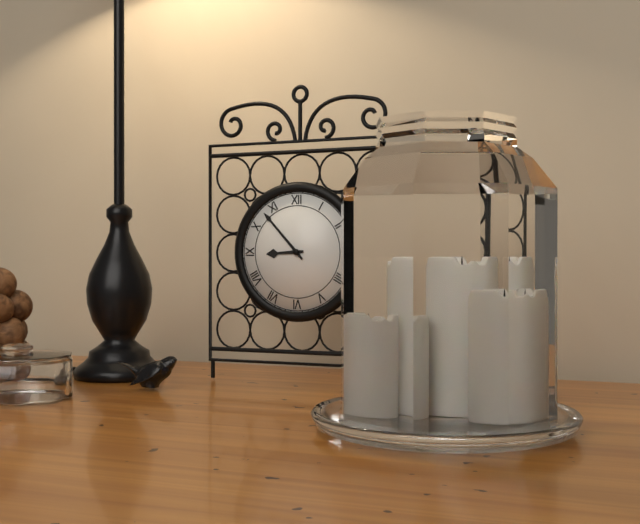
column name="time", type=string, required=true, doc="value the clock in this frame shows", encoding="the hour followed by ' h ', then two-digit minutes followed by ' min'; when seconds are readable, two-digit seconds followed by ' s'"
8 h 53 min
